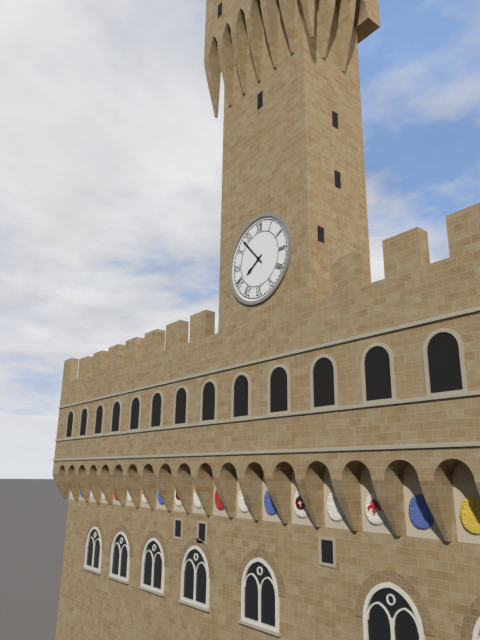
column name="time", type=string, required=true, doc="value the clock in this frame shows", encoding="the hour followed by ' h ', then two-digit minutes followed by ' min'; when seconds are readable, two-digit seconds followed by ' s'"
7 h 53 min
